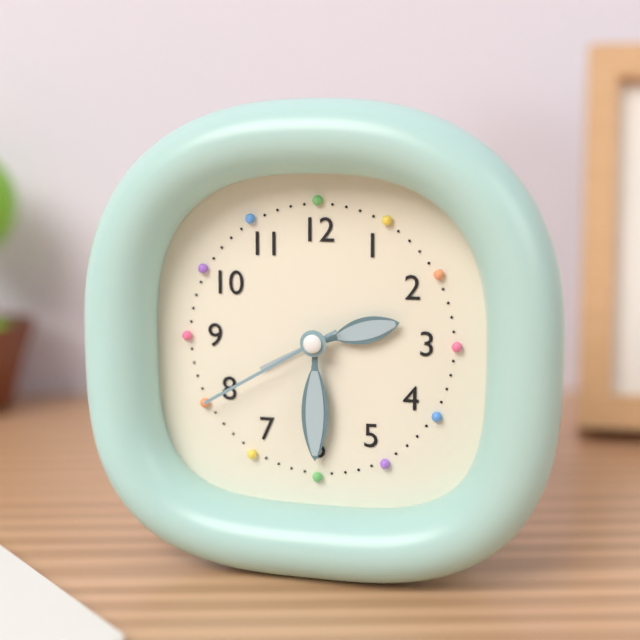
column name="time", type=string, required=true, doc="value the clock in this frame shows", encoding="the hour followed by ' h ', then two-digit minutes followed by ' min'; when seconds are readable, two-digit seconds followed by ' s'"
2 h 30 min 40 s
